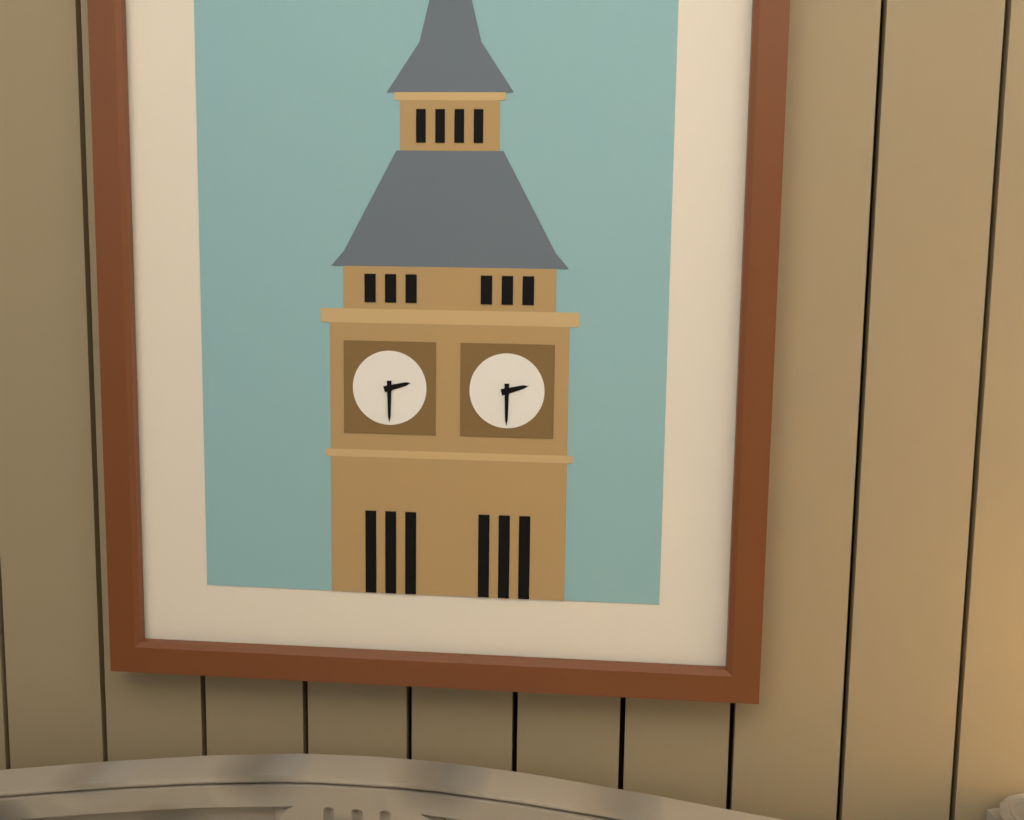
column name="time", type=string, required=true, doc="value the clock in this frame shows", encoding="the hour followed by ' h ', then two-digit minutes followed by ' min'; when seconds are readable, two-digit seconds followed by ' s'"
2 h 30 min
